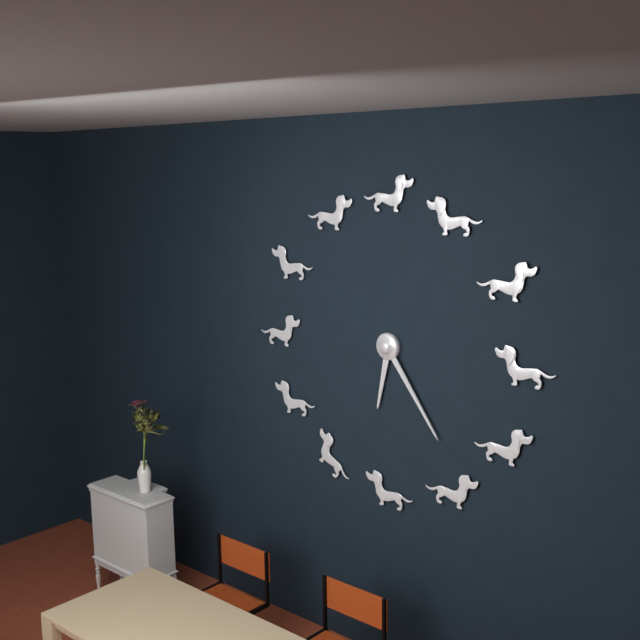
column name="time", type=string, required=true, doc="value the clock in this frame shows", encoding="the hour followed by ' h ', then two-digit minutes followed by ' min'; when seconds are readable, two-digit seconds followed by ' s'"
6 h 24 min
